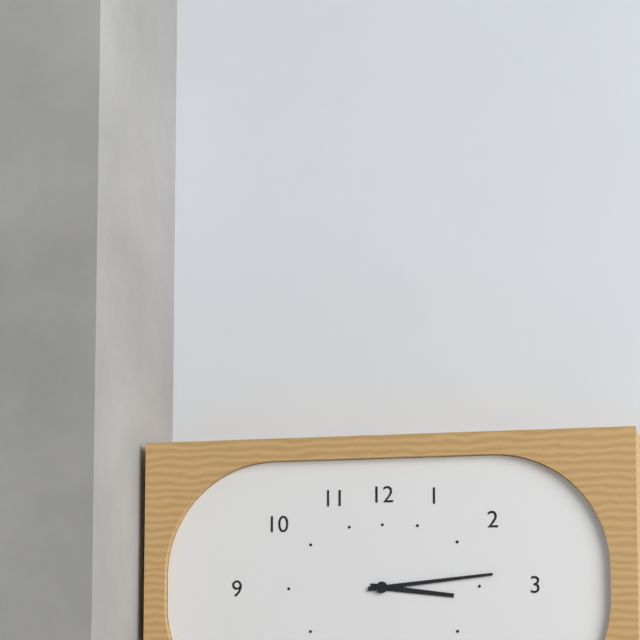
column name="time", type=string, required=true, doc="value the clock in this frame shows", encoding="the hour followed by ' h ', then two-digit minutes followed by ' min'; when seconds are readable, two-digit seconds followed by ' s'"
3 h 14 min
